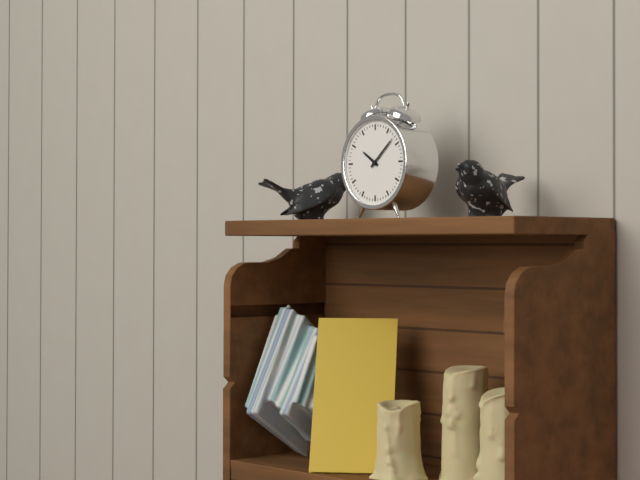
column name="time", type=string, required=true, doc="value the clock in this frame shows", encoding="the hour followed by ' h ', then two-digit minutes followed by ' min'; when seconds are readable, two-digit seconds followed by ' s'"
10 h 08 min
